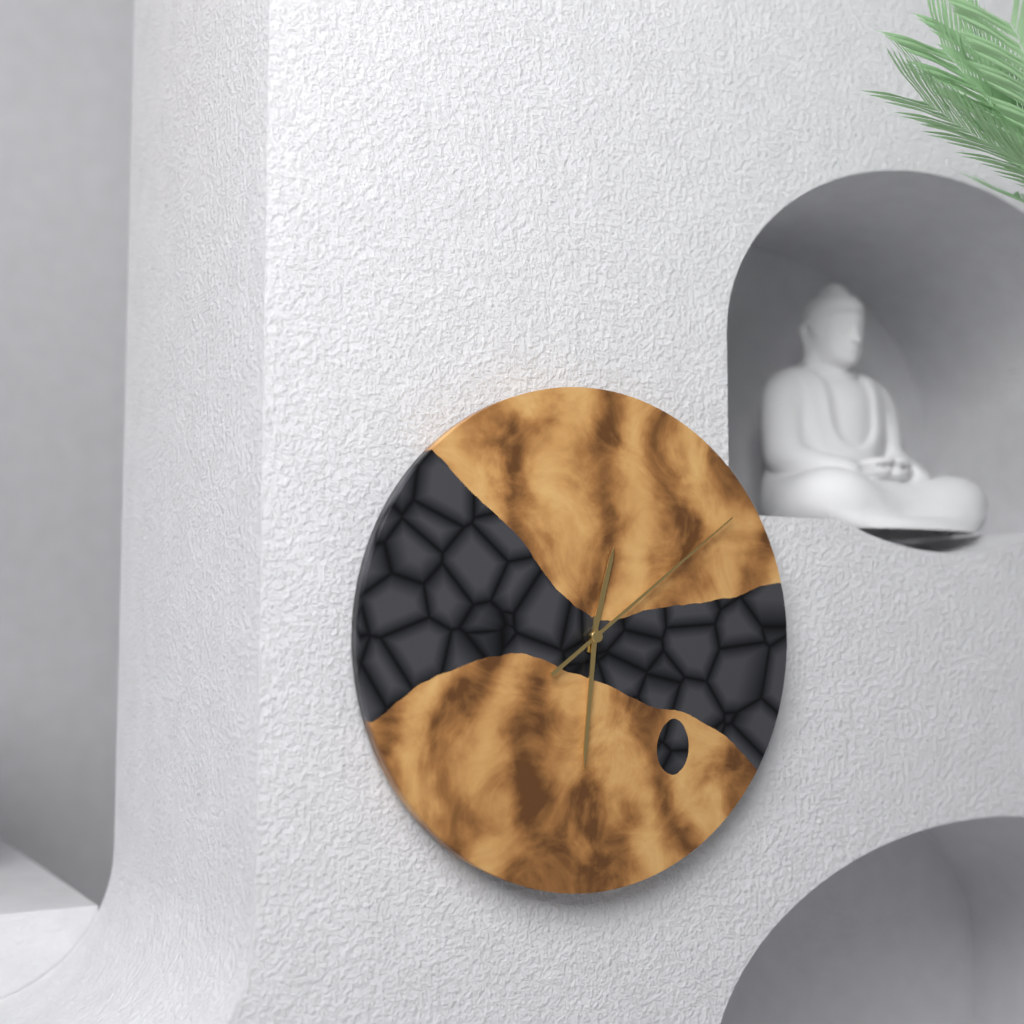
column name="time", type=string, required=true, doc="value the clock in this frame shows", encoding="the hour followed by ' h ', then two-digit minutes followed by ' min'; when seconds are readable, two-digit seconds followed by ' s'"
12 h 31 min 09 s
